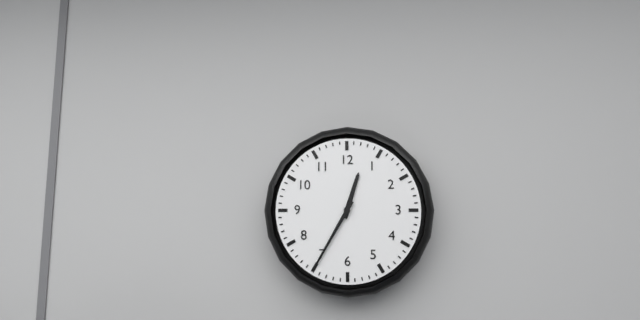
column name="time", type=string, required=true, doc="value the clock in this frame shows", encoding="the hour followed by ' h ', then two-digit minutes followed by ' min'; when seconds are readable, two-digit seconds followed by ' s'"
12 h 35 min
